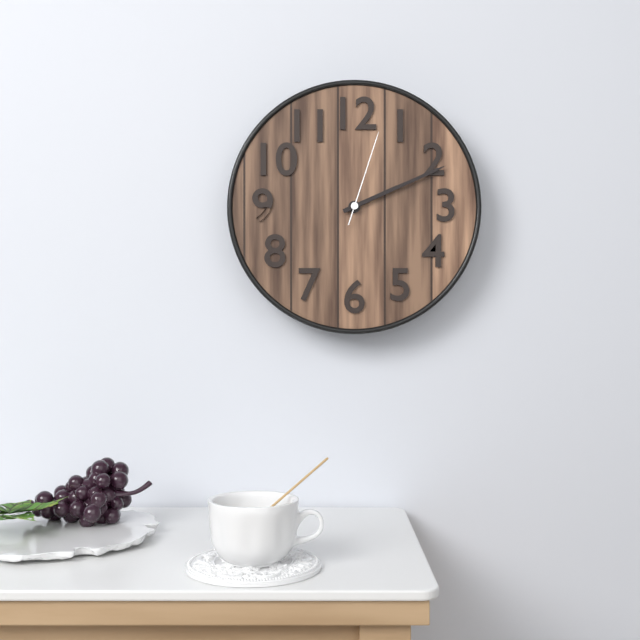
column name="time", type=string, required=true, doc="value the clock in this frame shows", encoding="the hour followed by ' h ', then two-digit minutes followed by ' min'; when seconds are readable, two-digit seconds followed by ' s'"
2 h 11 min 03 s
